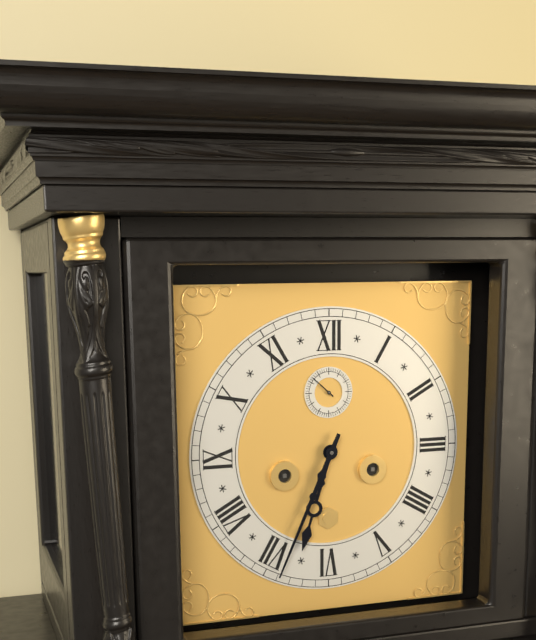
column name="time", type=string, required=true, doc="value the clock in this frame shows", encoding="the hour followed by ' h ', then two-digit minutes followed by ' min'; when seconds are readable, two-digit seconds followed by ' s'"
6 h 34 min
